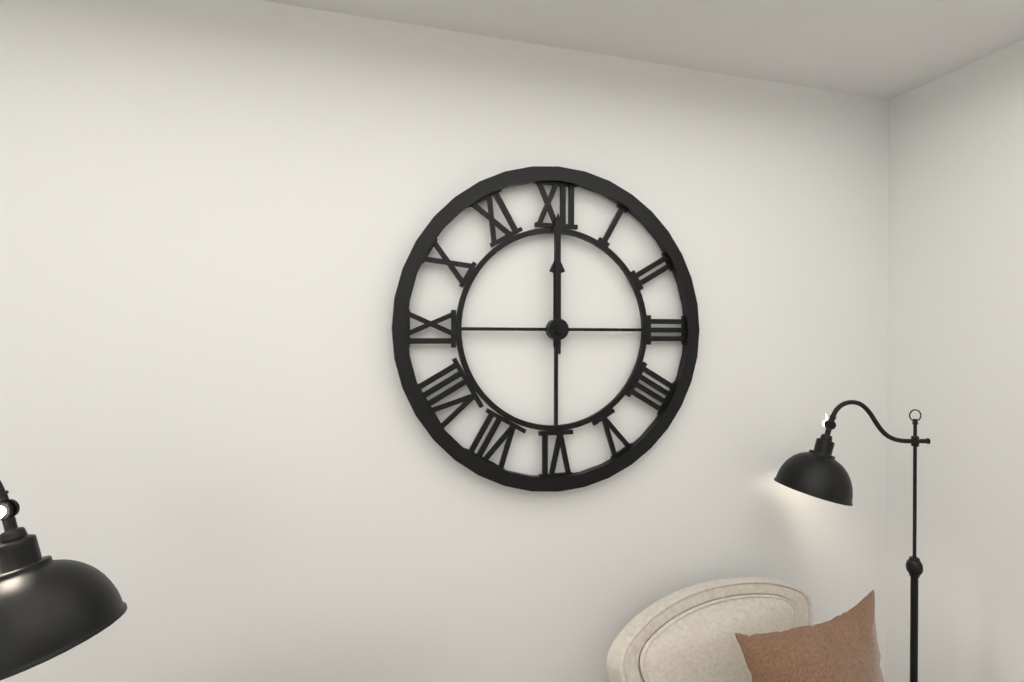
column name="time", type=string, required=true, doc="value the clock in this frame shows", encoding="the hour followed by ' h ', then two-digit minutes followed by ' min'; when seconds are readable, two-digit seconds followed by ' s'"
12 h 00 min
